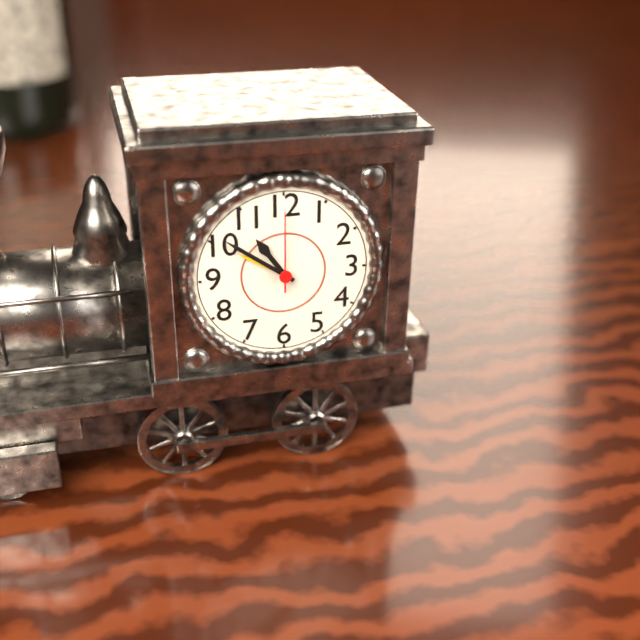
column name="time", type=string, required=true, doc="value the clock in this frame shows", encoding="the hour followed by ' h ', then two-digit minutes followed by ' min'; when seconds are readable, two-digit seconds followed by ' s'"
10 h 51 min 00 s
